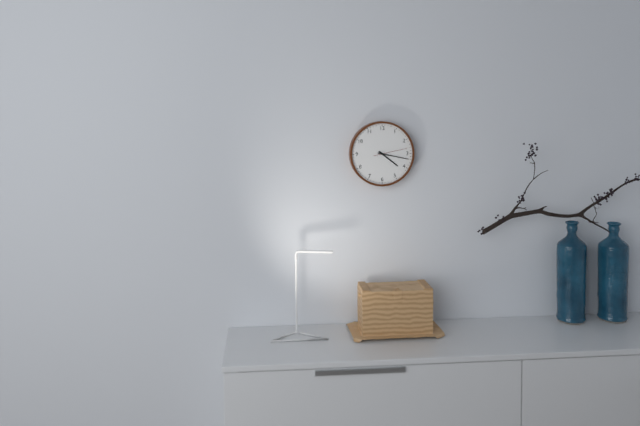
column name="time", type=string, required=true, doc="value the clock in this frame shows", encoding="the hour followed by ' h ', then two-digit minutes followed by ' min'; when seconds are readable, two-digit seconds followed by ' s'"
4 h 17 min
